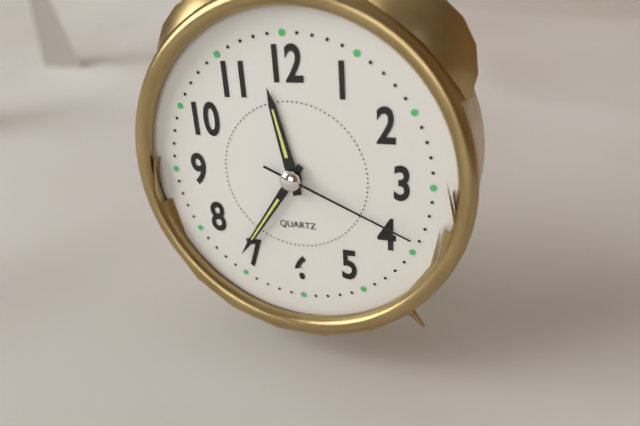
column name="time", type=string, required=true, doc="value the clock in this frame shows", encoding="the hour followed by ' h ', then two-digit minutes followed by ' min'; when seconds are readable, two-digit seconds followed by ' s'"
11 h 36 min 19 s
